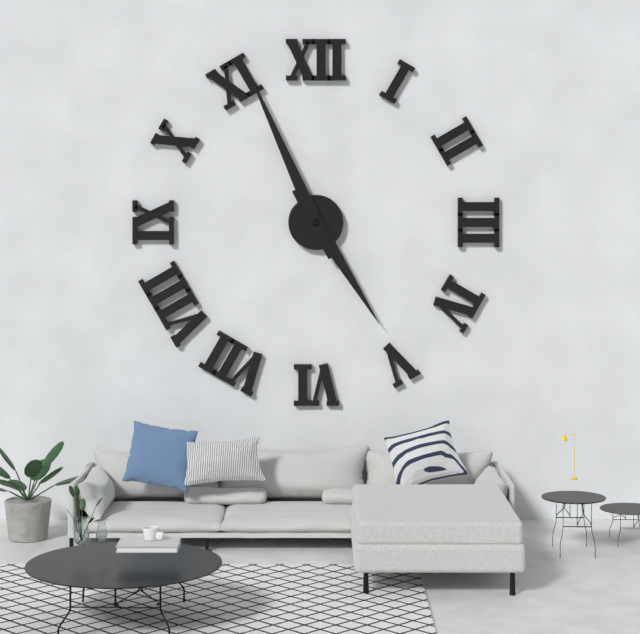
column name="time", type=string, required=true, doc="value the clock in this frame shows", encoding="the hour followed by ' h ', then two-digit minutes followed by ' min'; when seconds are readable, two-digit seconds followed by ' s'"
4 h 56 min
